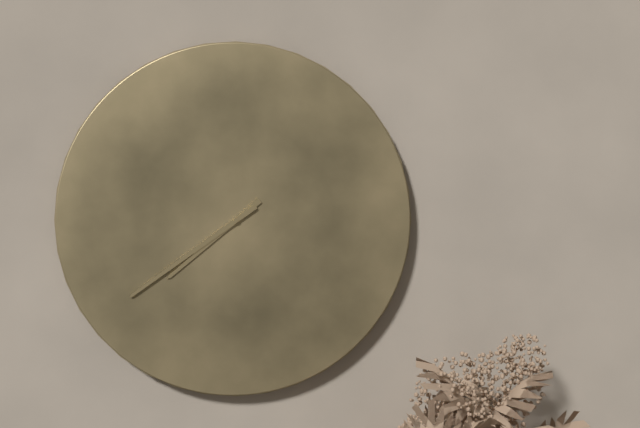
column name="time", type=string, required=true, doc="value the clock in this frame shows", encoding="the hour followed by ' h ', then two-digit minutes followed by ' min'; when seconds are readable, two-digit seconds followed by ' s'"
7 h 39 min
